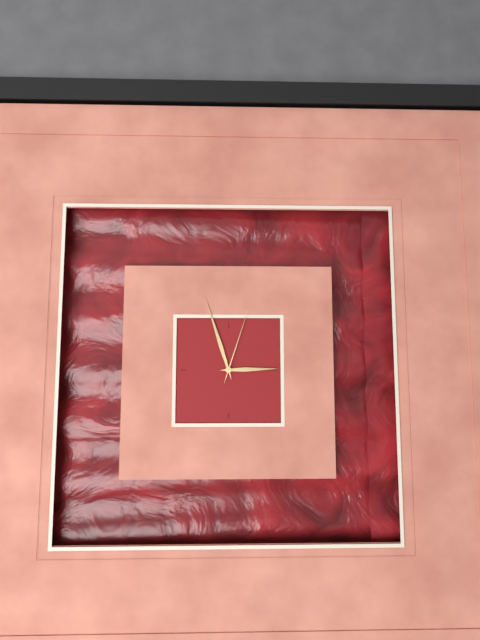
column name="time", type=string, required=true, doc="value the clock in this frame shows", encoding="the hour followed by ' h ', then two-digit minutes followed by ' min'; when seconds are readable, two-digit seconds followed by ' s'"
2 h 57 min 03 s
